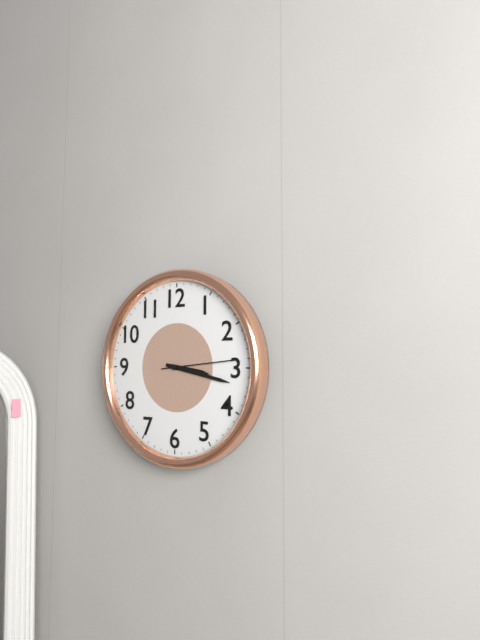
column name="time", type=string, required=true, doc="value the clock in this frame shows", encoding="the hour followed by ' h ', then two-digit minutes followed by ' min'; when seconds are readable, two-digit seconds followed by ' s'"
3 h 17 min 14 s
